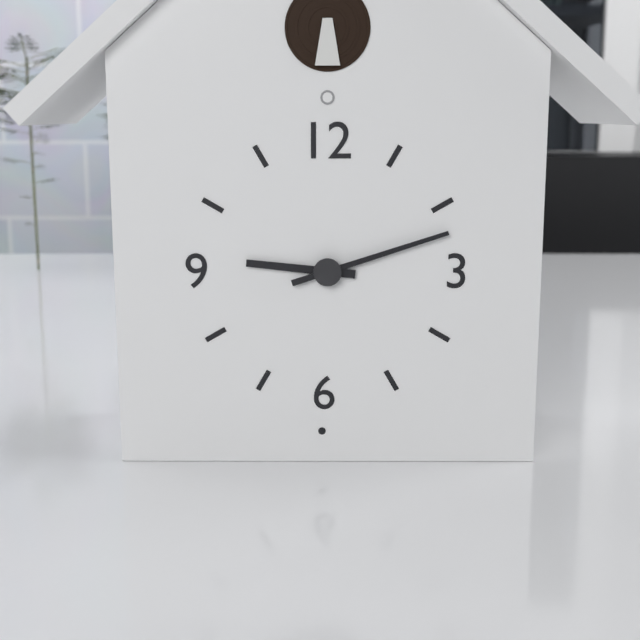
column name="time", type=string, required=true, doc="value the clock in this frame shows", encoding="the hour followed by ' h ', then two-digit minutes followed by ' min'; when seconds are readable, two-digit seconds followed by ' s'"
9 h 12 min
